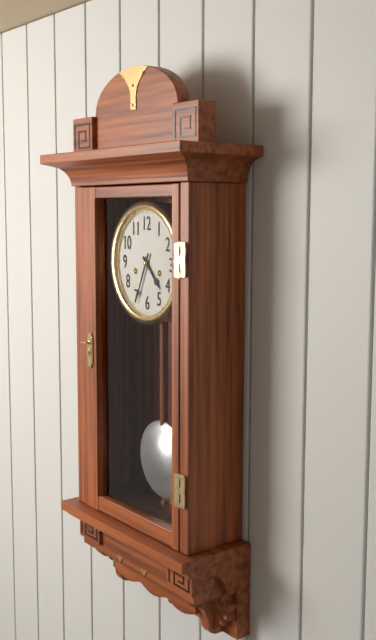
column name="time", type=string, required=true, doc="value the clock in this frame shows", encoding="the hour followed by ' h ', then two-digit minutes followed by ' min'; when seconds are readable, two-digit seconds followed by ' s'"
4 h 34 min
